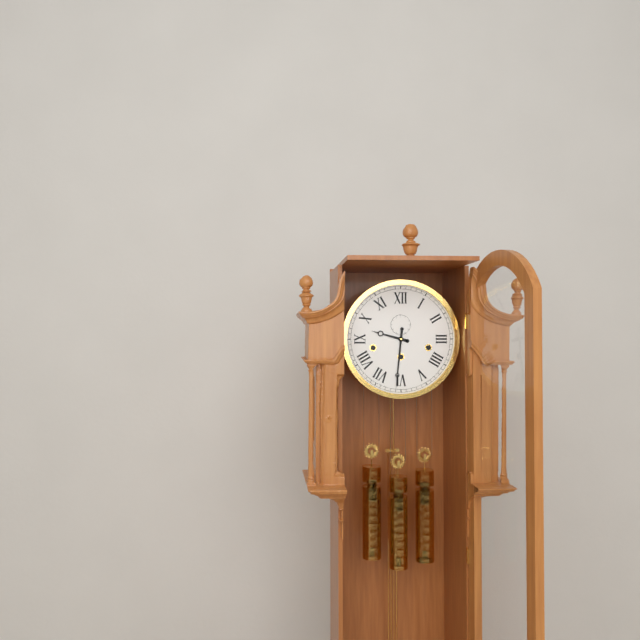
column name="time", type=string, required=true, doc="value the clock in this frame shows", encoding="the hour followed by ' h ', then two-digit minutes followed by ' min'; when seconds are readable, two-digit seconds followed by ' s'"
9 h 31 min
